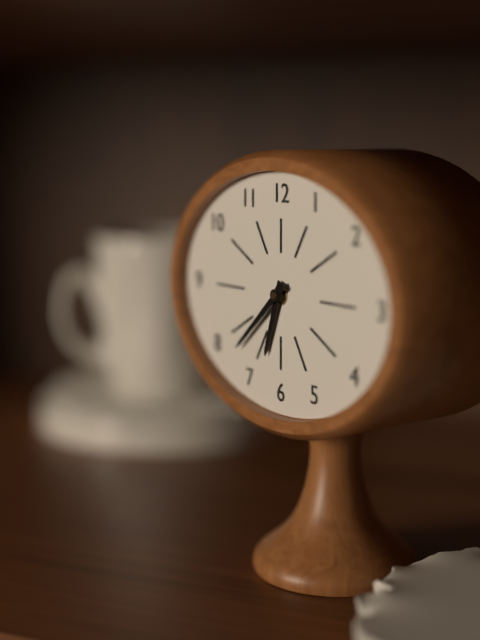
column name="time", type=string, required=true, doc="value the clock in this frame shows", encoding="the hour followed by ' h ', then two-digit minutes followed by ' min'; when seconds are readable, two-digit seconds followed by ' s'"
6 h 38 min
